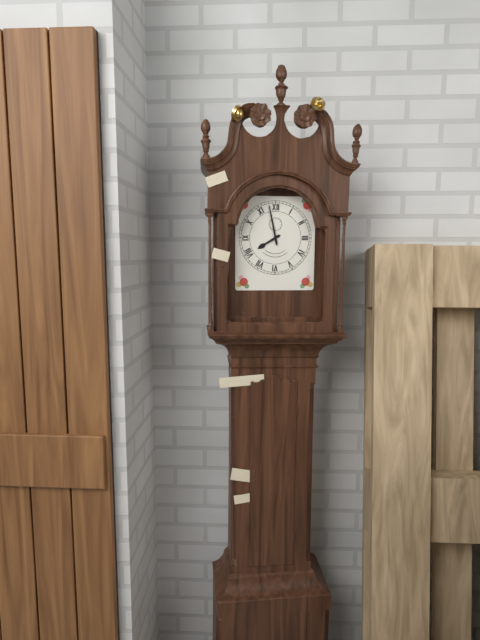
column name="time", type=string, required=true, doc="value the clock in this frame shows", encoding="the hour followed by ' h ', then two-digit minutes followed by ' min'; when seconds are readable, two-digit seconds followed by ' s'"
7 h 58 min
